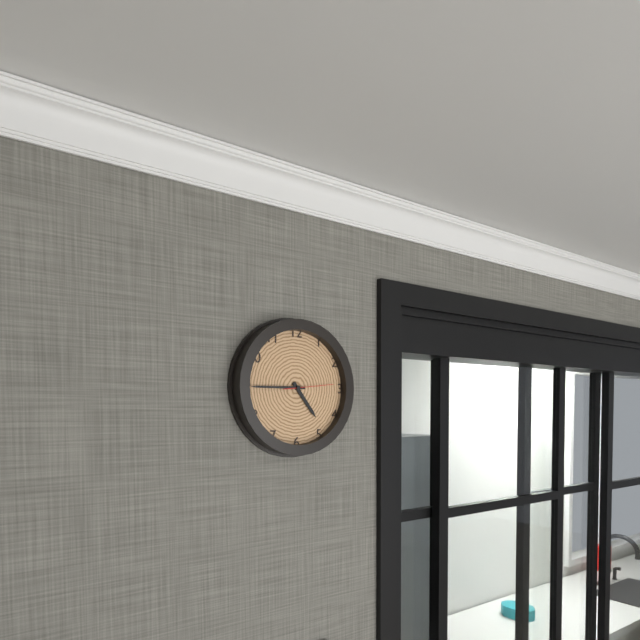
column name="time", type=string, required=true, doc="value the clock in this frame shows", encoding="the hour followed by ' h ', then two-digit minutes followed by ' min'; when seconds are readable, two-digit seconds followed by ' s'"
4 h 45 min 14 s
